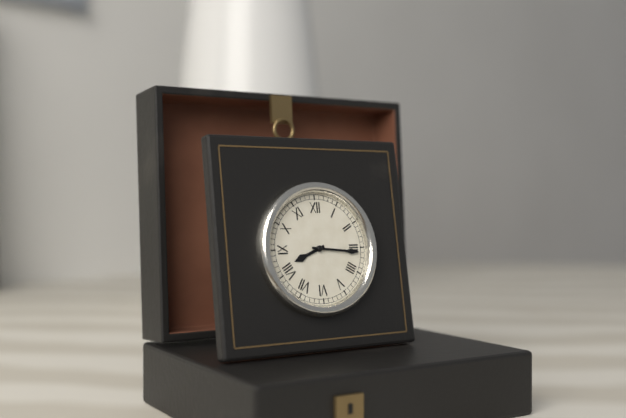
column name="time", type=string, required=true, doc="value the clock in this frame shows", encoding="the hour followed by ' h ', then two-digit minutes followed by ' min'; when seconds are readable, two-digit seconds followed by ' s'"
8 h 16 min
